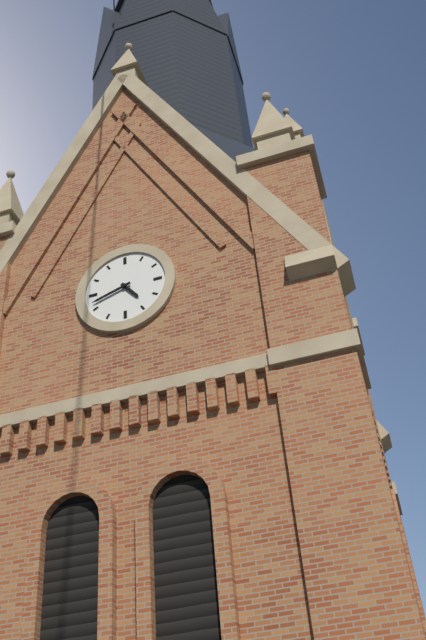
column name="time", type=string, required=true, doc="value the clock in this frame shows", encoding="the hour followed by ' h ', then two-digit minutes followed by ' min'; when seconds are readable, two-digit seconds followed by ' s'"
4 h 42 min
